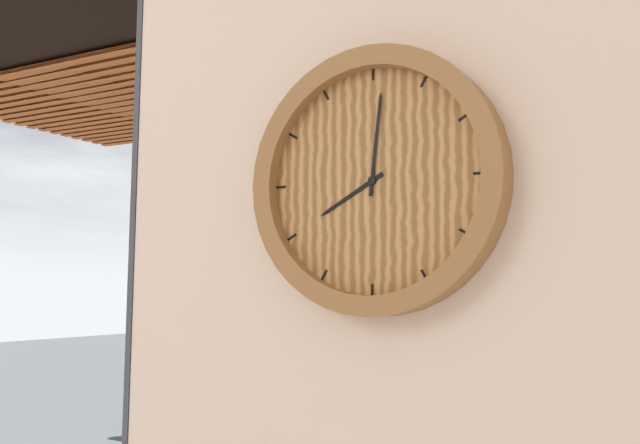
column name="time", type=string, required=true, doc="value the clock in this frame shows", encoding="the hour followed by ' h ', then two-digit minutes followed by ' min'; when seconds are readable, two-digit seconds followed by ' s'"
8 h 01 min
